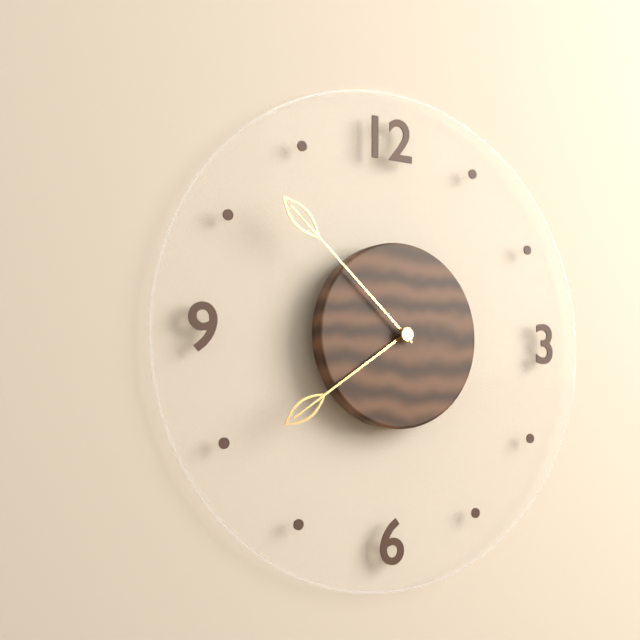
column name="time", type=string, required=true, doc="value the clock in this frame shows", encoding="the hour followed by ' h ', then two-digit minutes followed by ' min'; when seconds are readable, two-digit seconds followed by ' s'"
7 h 52 min
